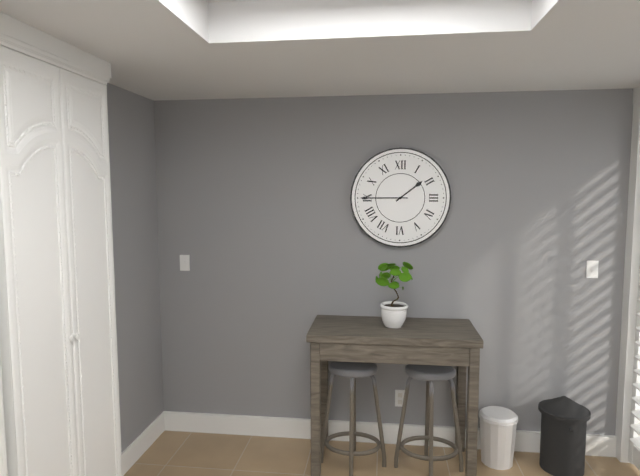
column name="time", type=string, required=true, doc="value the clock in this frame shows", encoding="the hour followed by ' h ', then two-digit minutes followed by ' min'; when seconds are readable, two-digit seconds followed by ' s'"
1 h 45 min
